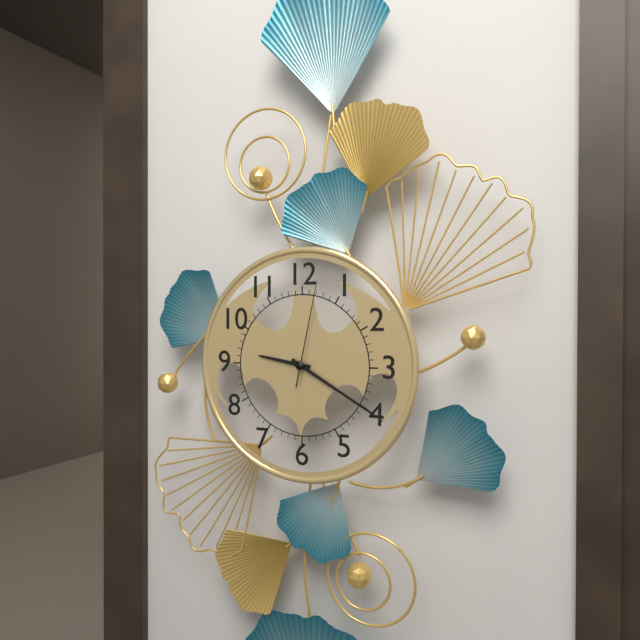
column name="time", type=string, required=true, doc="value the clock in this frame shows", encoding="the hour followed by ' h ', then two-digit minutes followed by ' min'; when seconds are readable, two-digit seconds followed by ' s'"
9 h 20 min 02 s
